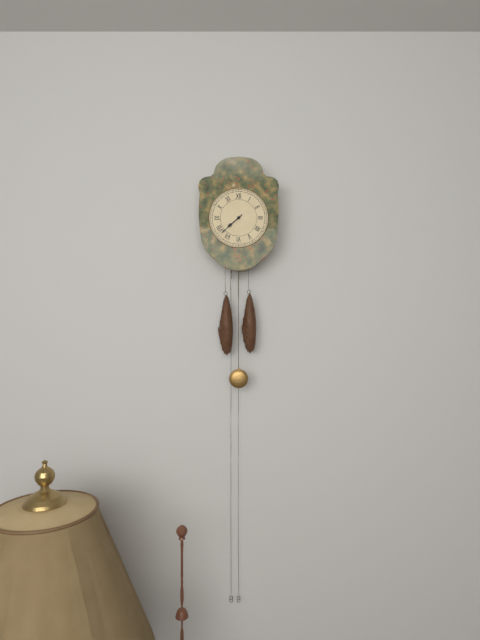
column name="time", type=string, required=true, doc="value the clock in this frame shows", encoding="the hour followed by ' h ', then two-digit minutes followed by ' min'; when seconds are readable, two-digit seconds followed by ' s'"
7 h 38 min
